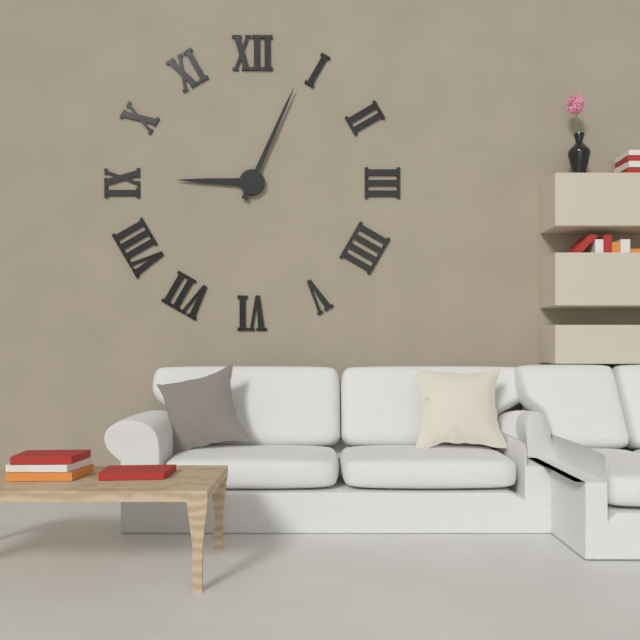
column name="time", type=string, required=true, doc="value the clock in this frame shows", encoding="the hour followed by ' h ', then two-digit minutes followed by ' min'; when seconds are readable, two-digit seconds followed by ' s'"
9 h 04 min
